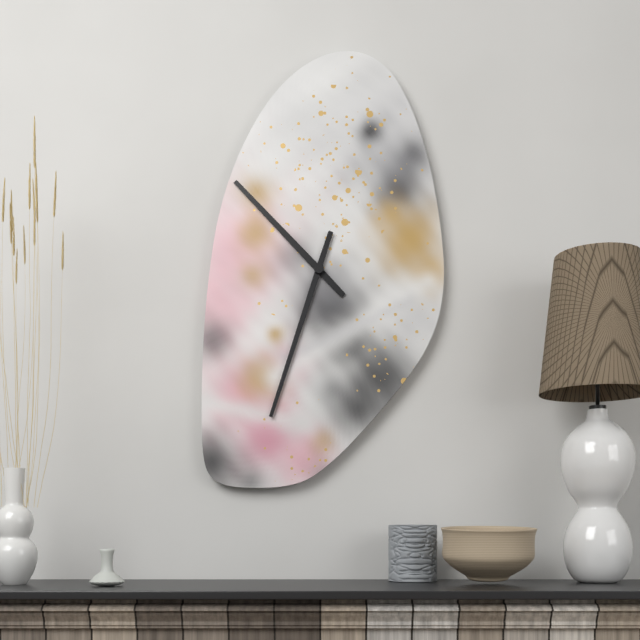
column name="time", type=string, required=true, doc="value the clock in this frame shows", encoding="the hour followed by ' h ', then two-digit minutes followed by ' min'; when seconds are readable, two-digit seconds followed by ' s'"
10 h 33 min
